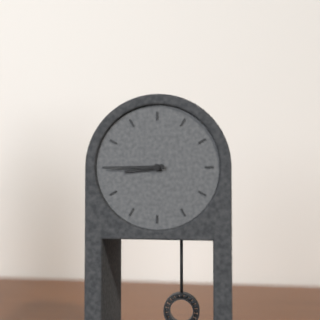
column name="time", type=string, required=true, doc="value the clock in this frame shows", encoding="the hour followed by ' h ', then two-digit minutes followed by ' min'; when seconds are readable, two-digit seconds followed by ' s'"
8 h 45 min
